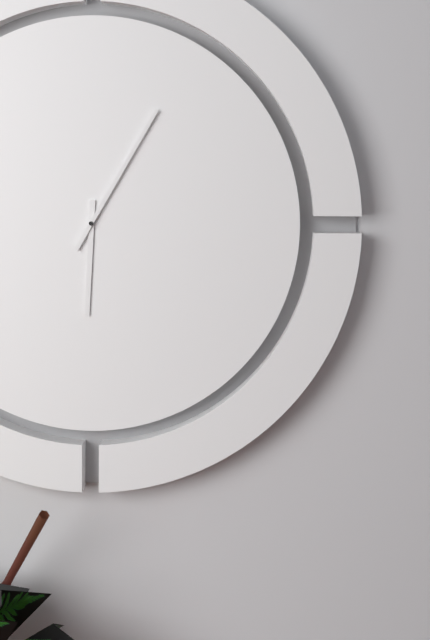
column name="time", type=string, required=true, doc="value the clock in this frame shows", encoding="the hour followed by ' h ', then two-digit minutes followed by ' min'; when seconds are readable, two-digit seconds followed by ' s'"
6 h 05 min
